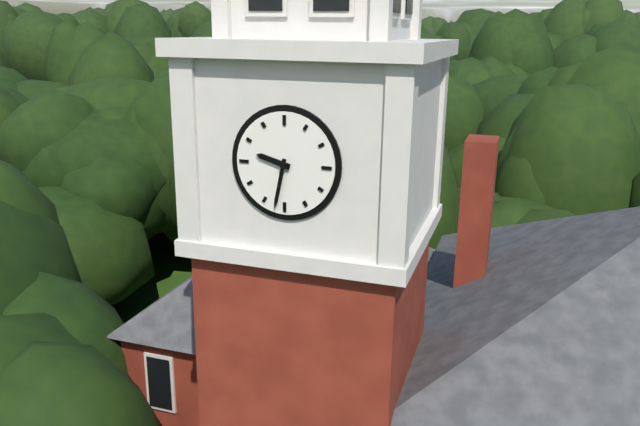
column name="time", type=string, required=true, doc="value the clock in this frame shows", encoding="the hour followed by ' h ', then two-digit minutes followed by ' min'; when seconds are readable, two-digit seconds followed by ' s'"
9 h 32 min
